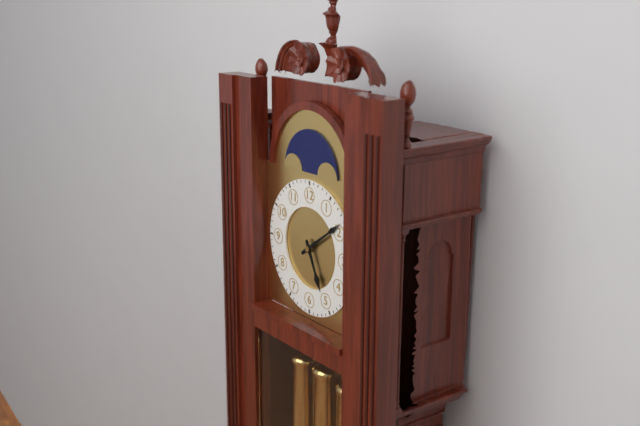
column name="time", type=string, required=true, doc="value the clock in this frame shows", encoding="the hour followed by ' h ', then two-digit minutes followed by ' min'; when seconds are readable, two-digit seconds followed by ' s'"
5 h 09 min
